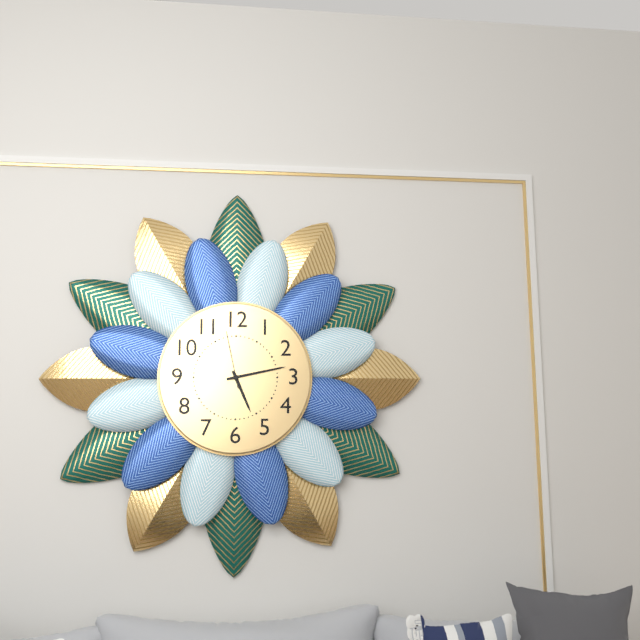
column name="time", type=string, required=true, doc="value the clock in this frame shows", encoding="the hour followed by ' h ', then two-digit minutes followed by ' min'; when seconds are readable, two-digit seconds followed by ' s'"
5 h 13 min 58 s
